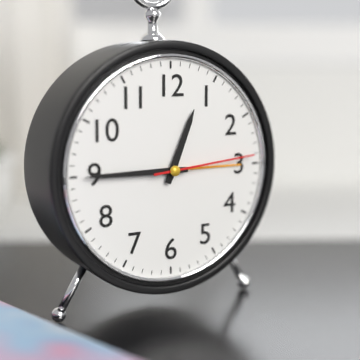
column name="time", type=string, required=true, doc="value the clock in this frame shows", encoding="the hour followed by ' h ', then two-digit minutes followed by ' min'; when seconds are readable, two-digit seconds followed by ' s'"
12 h 45 min 14 s
